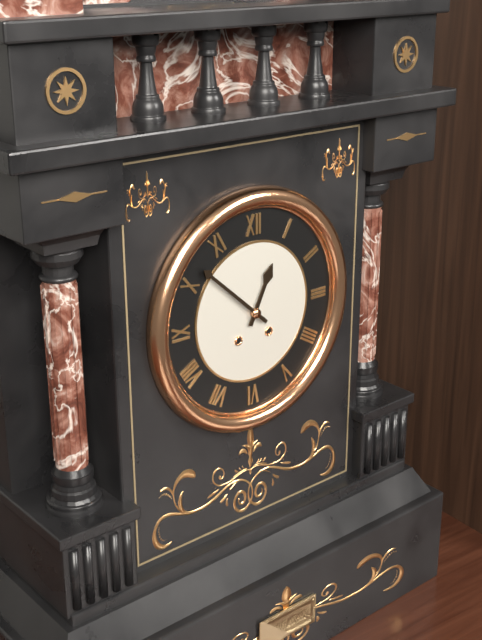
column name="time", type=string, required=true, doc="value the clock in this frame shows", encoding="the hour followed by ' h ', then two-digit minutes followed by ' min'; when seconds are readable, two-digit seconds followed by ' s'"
12 h 52 min
